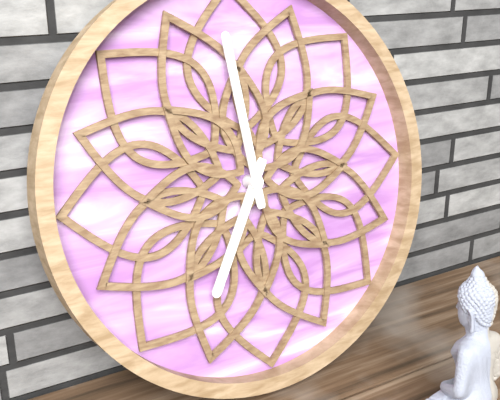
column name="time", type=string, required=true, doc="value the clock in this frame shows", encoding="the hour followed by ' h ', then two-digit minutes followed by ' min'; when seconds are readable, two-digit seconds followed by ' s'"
6 h 59 min
